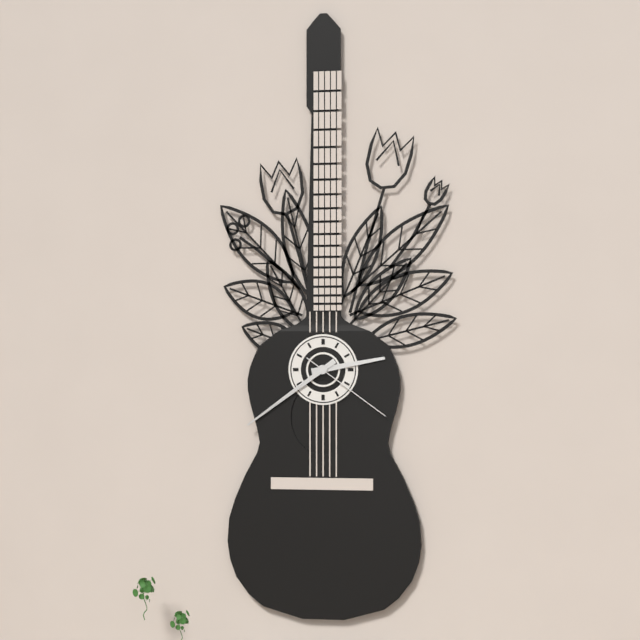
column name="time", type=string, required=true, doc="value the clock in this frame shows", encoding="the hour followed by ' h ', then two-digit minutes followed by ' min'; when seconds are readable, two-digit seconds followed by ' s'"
2 h 39 min 21 s
